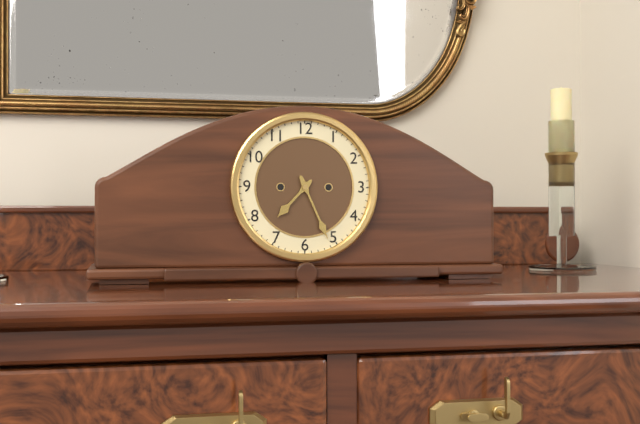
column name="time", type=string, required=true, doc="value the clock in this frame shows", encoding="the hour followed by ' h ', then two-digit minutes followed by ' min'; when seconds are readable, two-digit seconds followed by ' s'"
7 h 26 min
